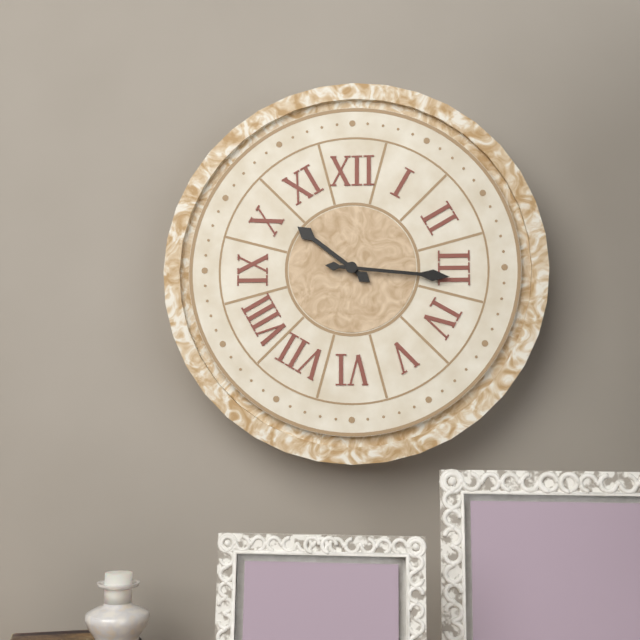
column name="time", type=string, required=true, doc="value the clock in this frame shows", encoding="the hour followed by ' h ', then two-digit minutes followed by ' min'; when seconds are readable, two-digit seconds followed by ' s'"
10 h 16 min
